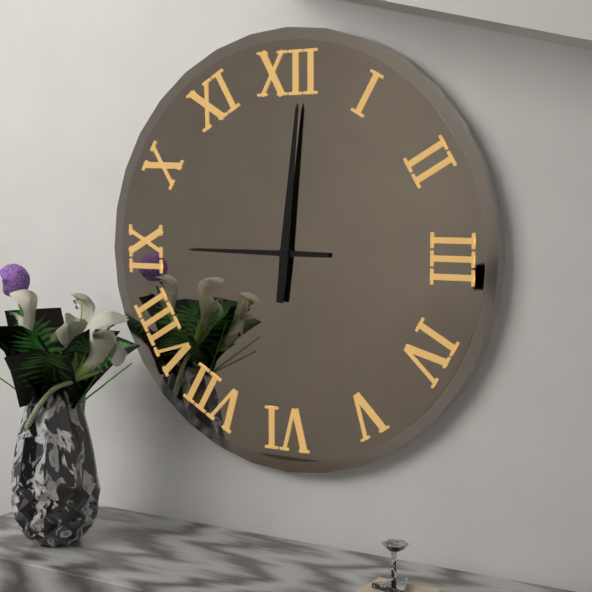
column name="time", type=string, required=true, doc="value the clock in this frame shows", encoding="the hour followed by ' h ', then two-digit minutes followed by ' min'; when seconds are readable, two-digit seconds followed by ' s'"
9 h 01 min
